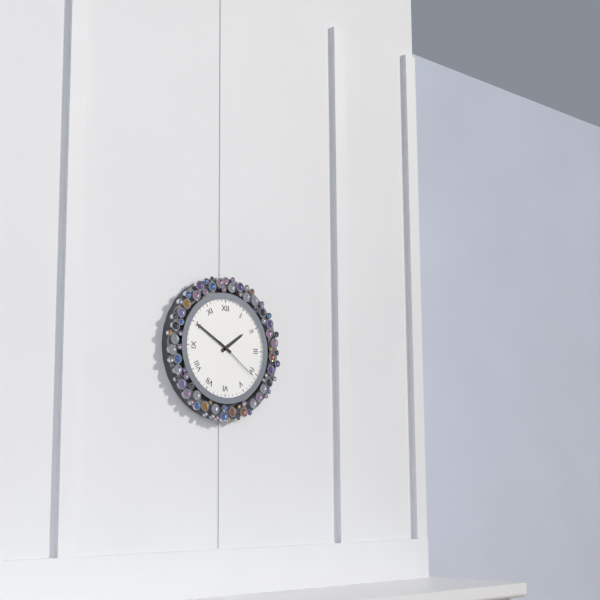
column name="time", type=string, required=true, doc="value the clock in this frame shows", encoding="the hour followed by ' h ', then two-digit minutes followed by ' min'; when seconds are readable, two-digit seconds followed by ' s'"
1 h 50 min 21 s
